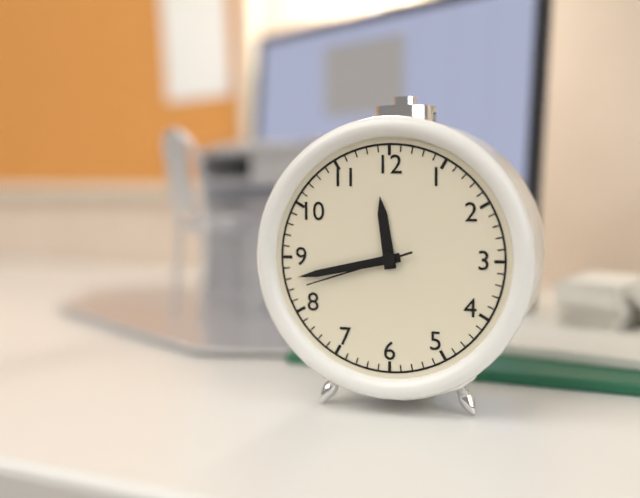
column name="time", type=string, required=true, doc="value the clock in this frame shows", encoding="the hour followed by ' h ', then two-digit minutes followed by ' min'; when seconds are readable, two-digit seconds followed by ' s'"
11 h 43 min 42 s
